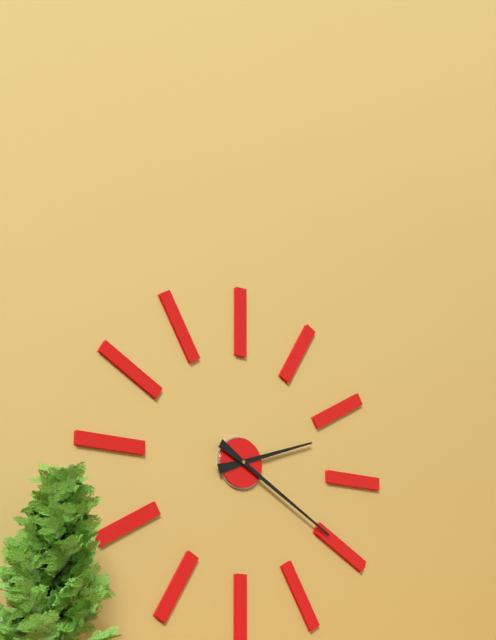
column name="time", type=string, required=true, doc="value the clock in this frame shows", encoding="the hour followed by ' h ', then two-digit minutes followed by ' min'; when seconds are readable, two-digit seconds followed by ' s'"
2 h 20 min
